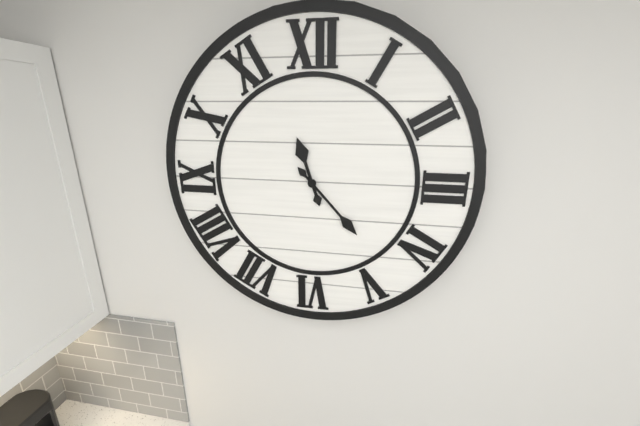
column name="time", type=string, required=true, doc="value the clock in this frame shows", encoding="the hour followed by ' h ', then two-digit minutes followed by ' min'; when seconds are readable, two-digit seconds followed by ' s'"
11 h 23 min
